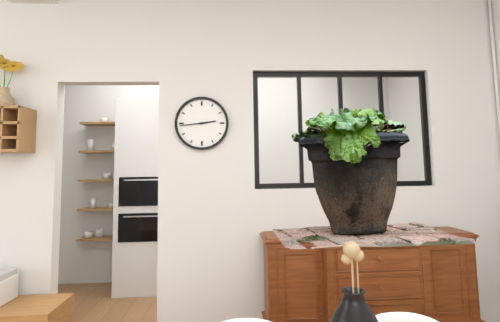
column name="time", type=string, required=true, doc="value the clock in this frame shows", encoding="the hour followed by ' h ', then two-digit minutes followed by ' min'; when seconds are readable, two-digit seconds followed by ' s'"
2 h 44 min
